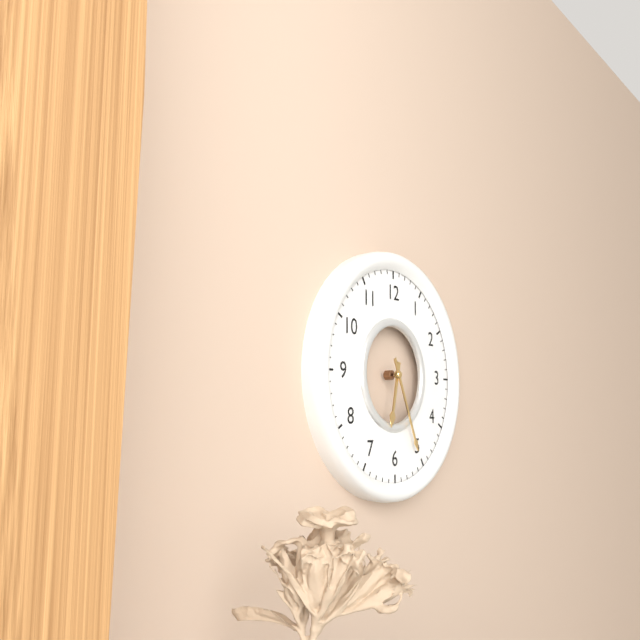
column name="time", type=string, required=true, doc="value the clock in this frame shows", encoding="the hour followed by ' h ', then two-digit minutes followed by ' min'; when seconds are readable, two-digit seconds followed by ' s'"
6 h 26 min
